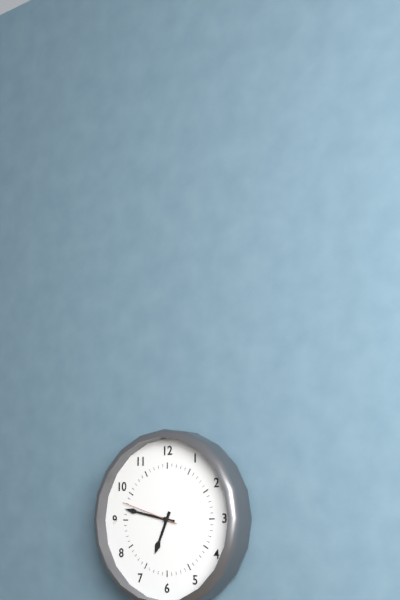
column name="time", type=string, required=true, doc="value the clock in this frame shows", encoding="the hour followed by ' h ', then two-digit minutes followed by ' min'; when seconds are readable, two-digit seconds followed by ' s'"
6 h 47 min 48 s
